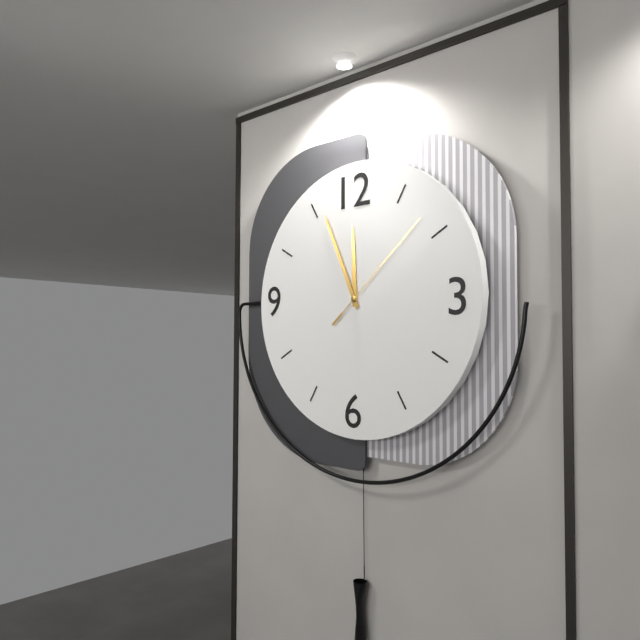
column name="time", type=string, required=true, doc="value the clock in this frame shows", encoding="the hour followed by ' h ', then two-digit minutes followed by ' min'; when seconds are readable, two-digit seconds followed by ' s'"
11 h 56 min 08 s
